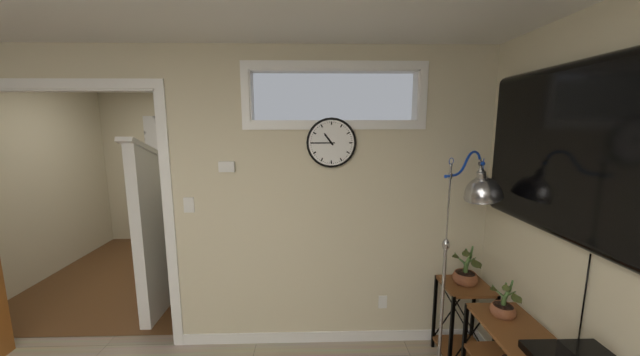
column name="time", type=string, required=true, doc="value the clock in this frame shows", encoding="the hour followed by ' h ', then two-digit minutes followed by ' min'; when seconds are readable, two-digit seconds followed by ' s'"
10 h 45 min
